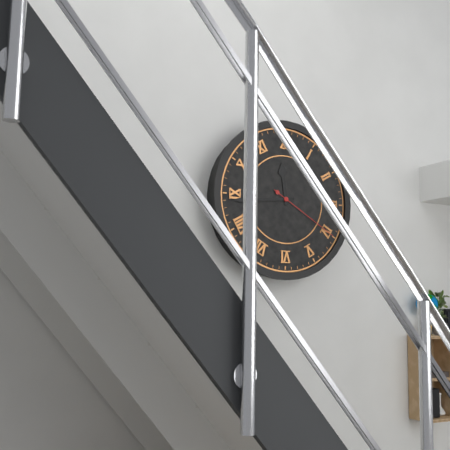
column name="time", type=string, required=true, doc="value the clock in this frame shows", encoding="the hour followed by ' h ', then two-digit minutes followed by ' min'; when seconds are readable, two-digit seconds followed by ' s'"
11 h 44 min 20 s
